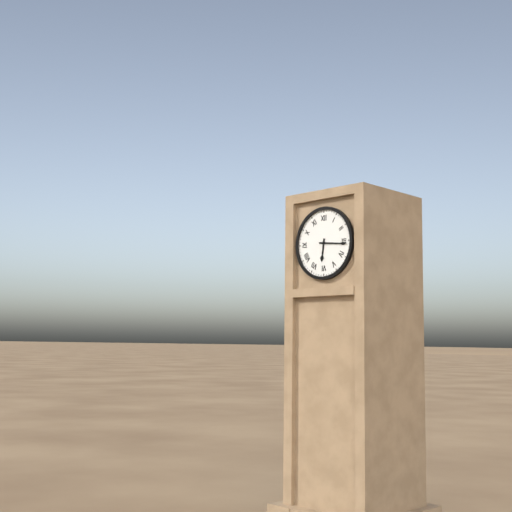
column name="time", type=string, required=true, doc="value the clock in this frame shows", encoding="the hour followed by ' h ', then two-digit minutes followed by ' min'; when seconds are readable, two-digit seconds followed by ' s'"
6 h 16 min
